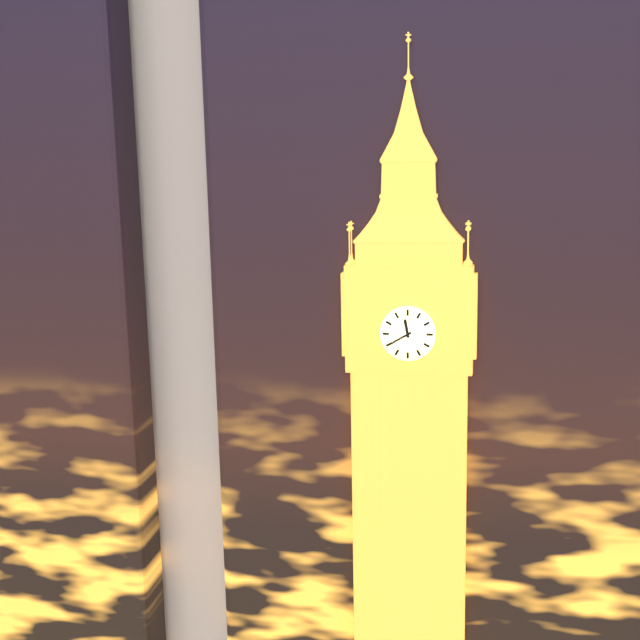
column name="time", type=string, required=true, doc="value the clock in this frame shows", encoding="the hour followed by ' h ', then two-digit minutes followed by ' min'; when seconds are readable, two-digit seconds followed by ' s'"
11 h 40 min
